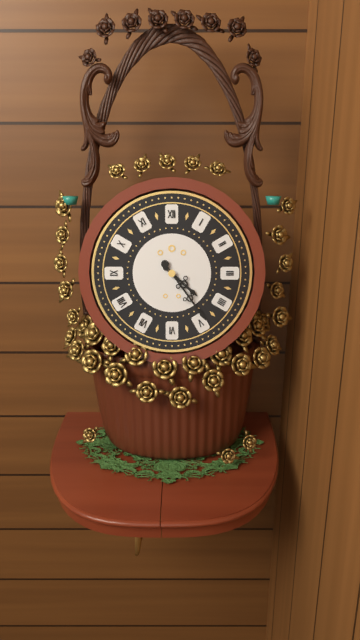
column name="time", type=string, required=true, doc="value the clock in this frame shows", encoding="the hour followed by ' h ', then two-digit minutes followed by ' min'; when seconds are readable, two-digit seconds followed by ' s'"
4 h 24 min
